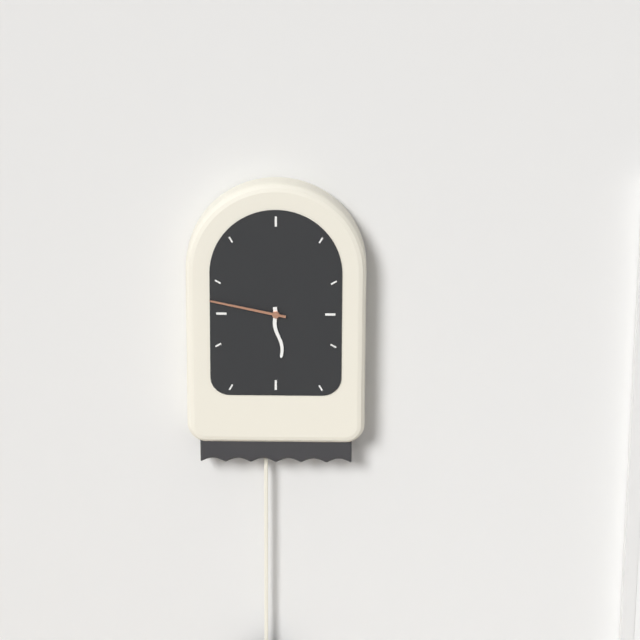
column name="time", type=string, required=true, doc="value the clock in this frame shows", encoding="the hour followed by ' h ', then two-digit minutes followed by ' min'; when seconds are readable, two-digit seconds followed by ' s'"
5 h 47 min
